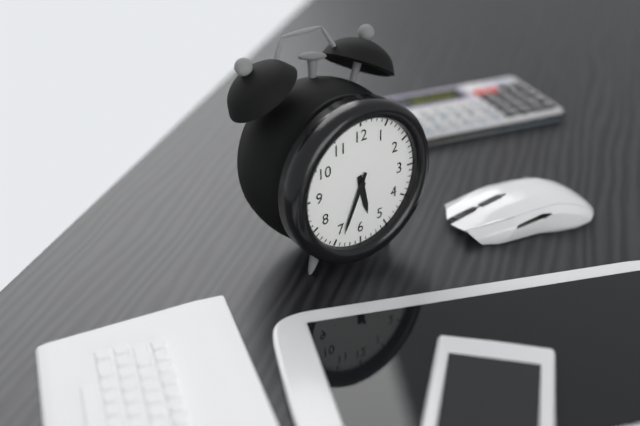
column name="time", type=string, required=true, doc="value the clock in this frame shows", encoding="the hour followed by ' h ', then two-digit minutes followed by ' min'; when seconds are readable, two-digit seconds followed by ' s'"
5 h 34 min
